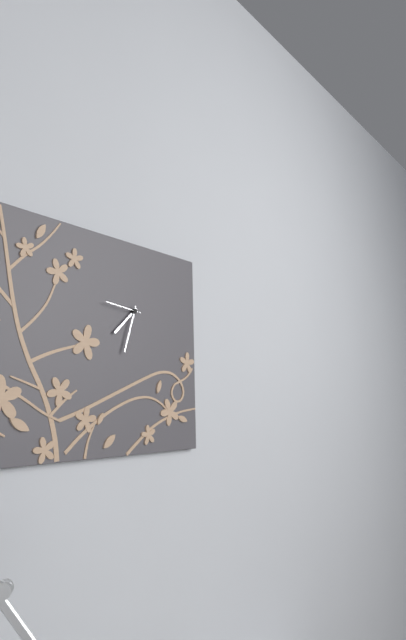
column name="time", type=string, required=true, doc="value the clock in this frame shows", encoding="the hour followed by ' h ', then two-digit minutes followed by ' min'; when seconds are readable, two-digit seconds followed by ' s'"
7 h 33 min
